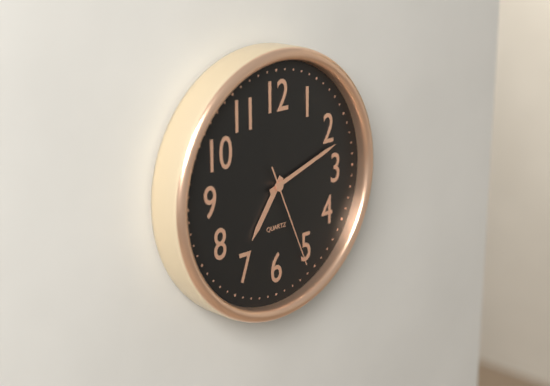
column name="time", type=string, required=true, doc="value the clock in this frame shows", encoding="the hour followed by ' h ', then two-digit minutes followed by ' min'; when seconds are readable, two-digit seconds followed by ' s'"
7 h 12 min 26 s
